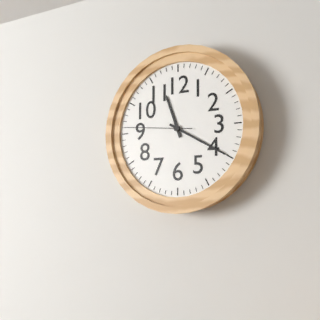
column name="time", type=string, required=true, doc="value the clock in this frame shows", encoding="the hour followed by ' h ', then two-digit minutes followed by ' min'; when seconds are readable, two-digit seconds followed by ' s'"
11 h 20 min 46 s
